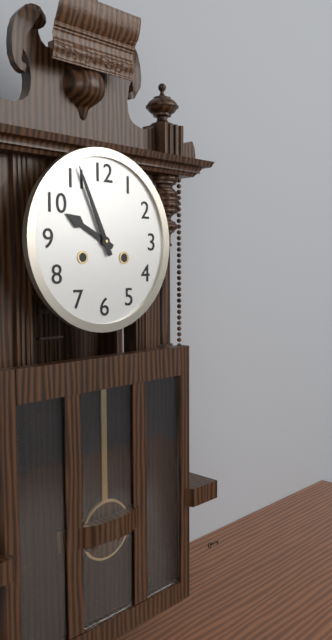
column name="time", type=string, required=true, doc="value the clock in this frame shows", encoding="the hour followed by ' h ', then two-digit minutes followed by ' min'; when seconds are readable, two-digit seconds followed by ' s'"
9 h 56 min
